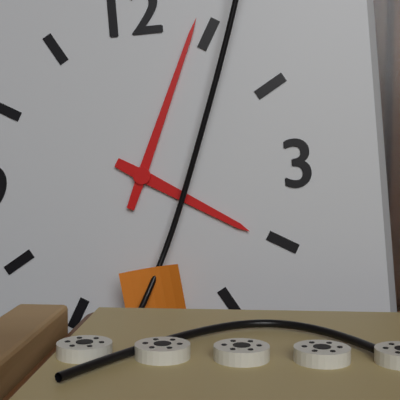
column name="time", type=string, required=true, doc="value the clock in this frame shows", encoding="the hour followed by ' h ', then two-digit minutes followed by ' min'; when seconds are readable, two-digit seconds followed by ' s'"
4 h 04 min
